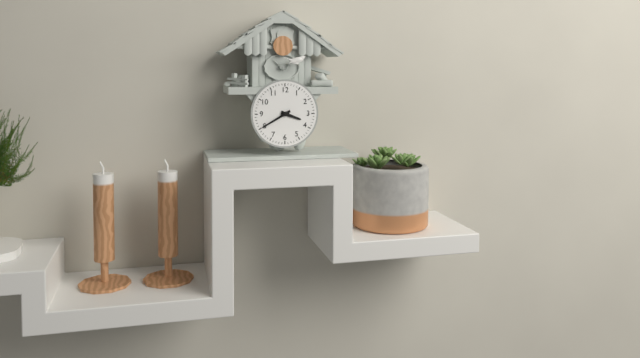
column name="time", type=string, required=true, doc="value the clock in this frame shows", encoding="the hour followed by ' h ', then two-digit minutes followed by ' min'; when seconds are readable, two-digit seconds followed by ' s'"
3 h 40 min
